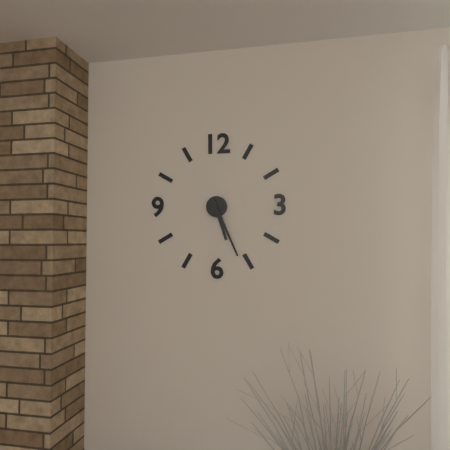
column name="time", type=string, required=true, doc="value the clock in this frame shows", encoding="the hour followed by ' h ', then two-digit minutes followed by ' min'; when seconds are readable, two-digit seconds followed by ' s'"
5 h 26 min
